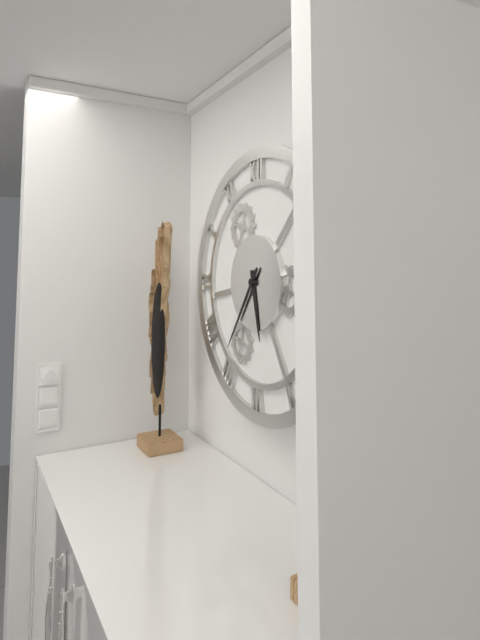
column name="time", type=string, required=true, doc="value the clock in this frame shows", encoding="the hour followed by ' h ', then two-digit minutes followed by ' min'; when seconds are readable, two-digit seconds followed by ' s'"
5 h 36 min
